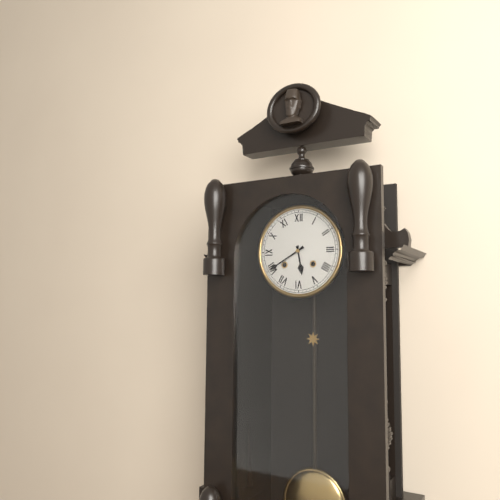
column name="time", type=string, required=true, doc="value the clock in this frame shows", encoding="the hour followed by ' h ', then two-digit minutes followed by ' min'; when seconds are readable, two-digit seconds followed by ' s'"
5 h 40 min
